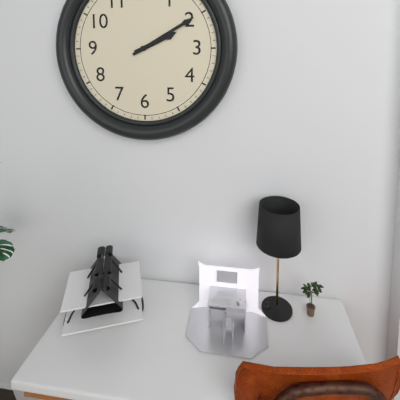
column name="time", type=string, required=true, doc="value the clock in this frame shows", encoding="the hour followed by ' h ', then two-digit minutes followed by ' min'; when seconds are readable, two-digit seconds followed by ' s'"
2 h 10 min
